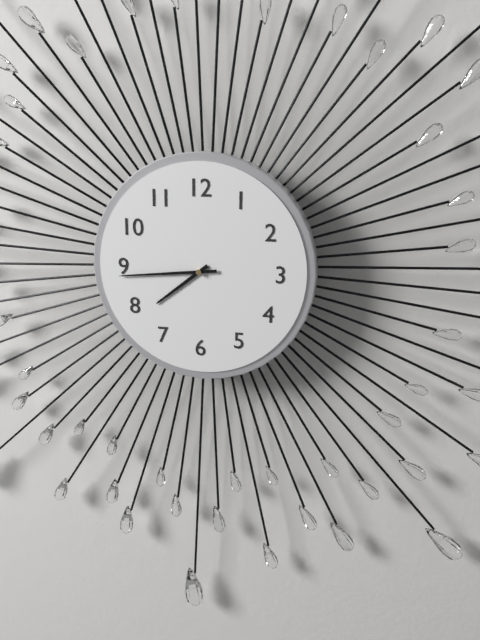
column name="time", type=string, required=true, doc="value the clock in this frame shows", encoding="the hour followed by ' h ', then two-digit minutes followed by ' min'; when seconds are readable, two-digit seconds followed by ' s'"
7 h 44 min
